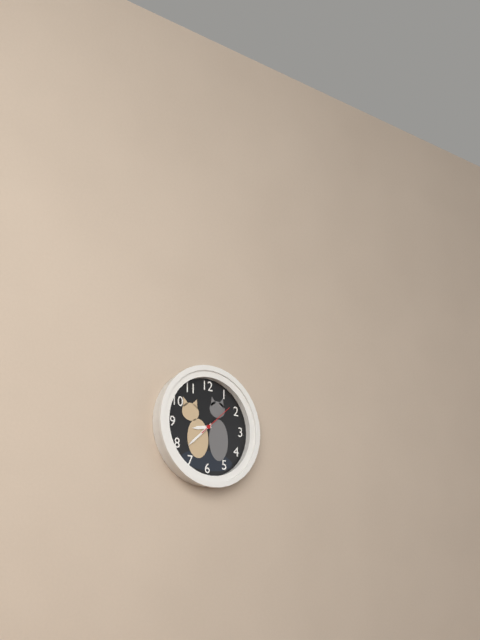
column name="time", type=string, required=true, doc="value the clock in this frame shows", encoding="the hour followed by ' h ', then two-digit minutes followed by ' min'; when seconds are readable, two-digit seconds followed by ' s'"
8 h 38 min
